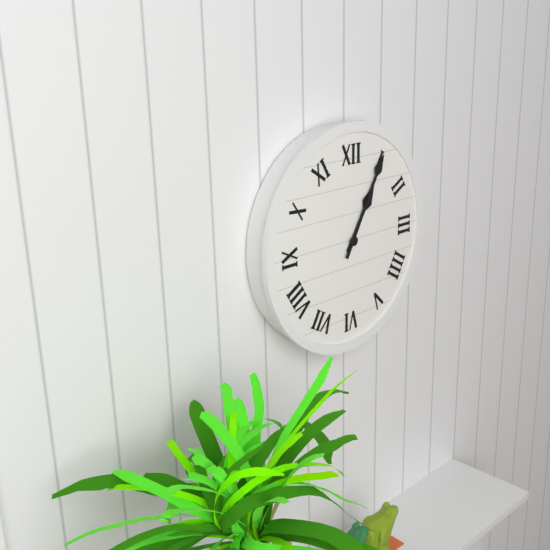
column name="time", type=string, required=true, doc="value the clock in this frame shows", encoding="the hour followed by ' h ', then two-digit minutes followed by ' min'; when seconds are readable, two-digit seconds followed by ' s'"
1 h 05 min
